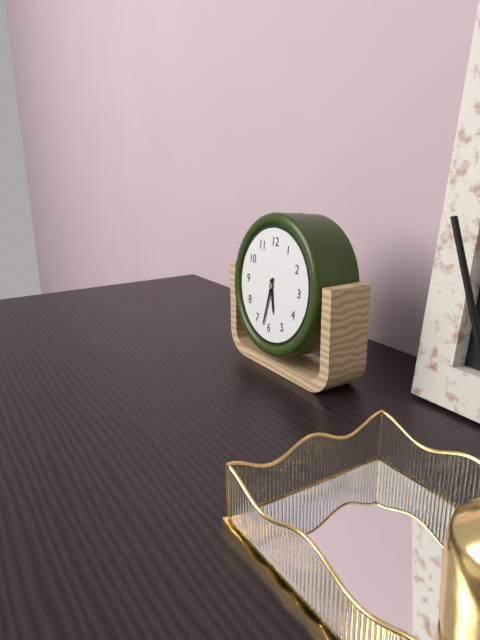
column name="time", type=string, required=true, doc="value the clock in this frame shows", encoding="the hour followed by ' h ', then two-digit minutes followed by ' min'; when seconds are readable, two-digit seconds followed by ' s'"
5 h 32 min
